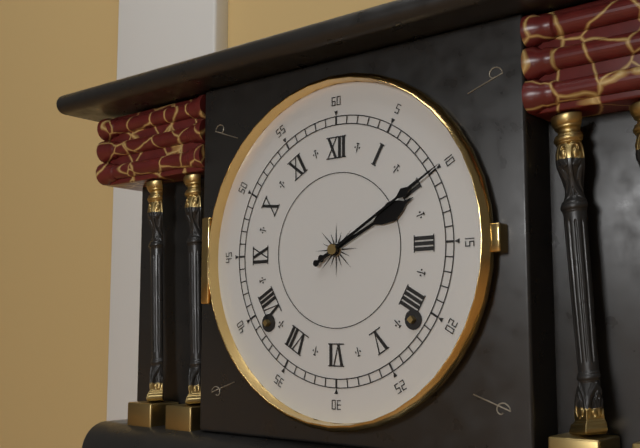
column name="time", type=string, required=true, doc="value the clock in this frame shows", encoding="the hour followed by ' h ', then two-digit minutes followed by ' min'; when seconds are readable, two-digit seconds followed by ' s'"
2 h 10 min
